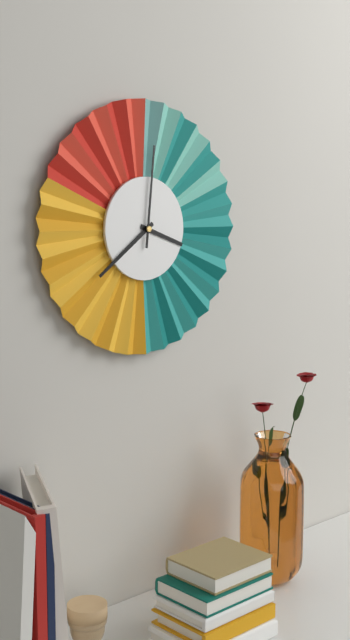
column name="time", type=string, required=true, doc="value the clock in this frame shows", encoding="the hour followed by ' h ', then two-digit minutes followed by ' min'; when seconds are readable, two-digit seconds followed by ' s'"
3 h 39 min 01 s
